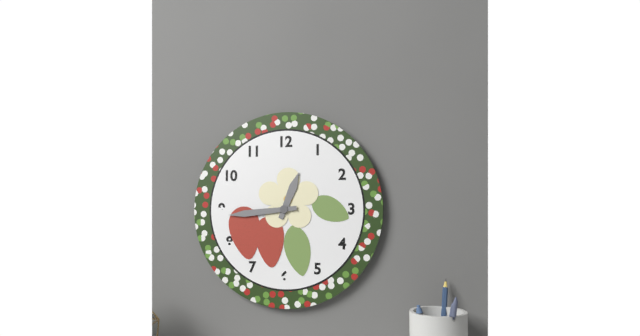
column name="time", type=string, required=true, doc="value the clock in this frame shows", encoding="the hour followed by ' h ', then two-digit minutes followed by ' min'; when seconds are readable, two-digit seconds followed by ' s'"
12 h 44 min
